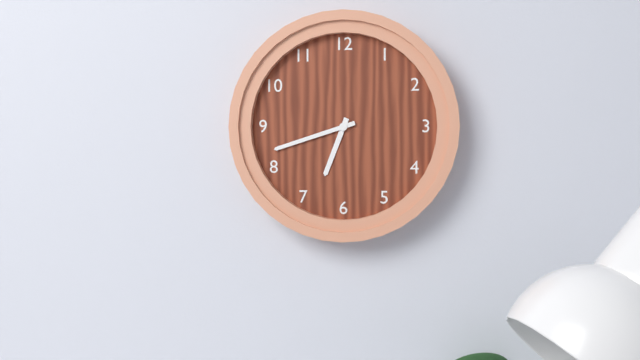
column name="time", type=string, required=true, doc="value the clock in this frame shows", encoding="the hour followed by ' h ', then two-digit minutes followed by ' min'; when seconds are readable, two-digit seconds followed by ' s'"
6 h 42 min
